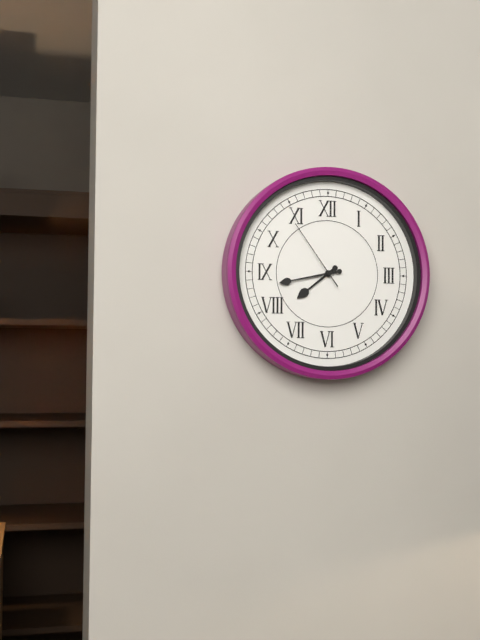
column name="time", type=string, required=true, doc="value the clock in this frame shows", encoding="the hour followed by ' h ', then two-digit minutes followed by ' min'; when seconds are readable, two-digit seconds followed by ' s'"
7 h 43 min 54 s
